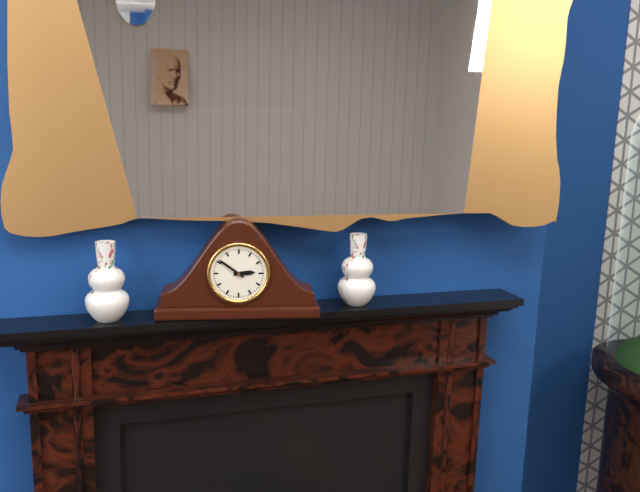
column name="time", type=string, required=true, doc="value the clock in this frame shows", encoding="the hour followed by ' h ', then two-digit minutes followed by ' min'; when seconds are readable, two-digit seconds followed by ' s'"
2 h 51 min
